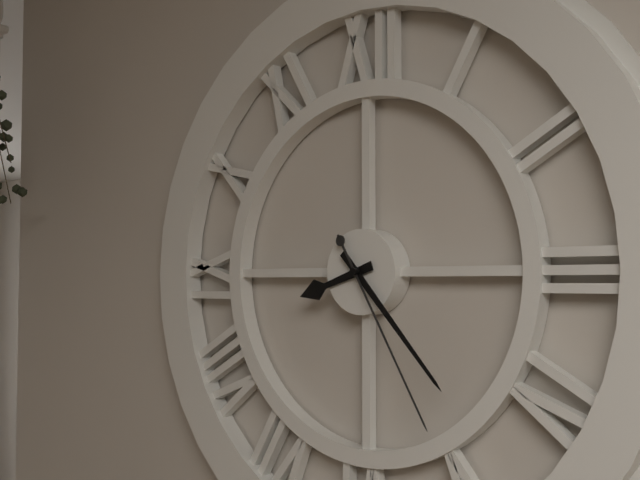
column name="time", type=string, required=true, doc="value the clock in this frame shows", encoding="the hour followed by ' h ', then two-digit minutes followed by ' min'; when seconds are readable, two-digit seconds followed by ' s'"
8 h 23 min 25 s
